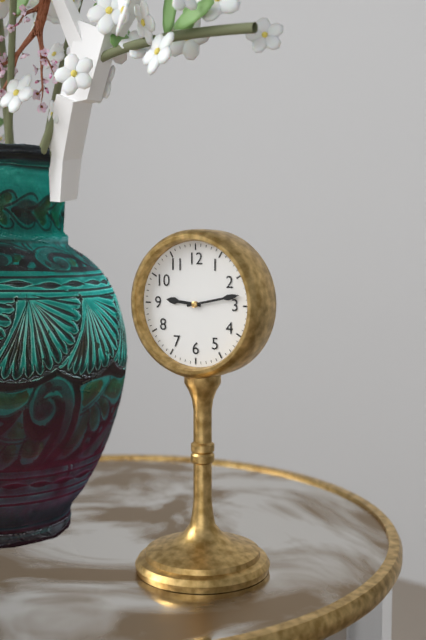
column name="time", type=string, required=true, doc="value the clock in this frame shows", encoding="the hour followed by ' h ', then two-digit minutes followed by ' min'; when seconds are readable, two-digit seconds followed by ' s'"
9 h 13 min
